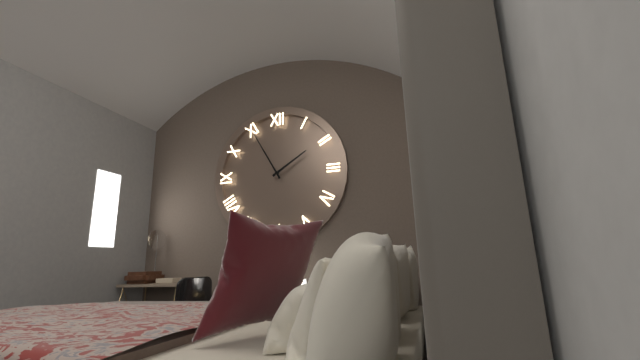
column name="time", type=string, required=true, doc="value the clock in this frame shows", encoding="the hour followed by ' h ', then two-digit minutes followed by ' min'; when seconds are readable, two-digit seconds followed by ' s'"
1 h 55 min
